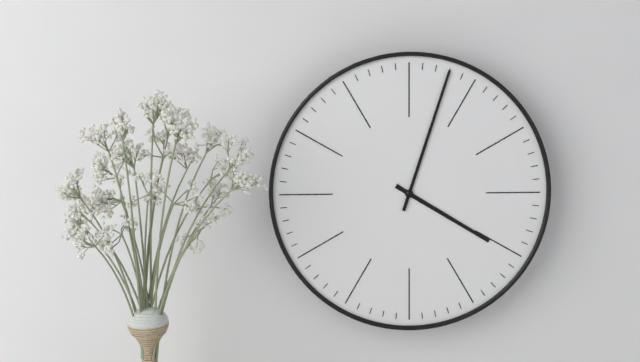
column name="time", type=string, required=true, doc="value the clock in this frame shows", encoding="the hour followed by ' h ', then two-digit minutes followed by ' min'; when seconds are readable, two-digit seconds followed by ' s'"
4 h 03 min
